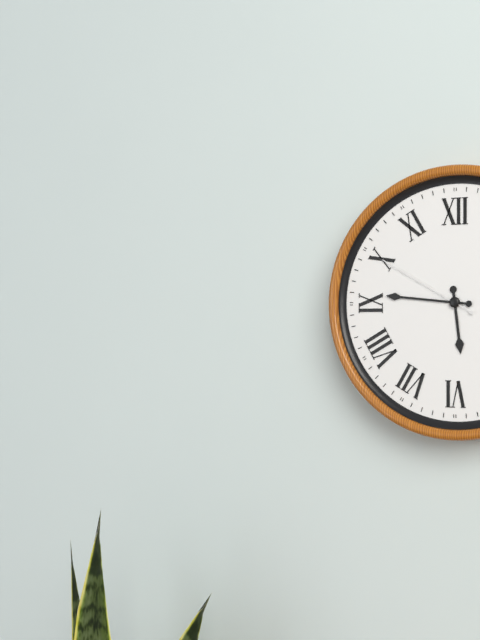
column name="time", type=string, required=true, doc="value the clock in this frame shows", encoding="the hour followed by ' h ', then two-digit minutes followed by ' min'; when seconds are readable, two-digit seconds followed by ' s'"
5 h 46 min 50 s
